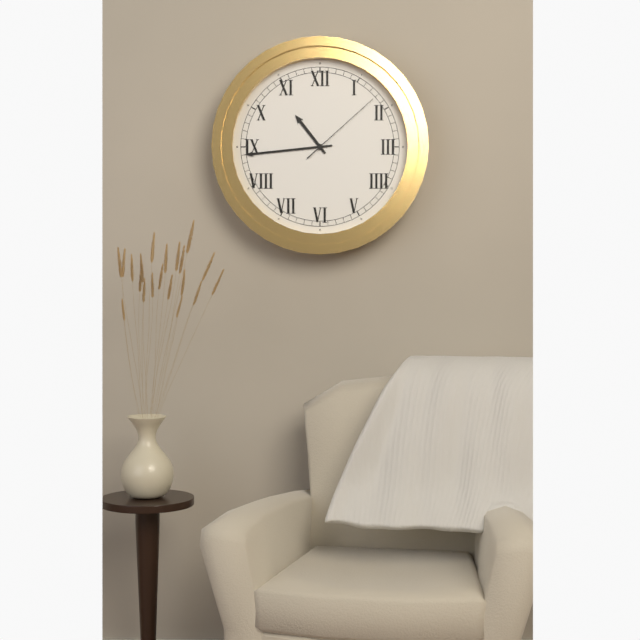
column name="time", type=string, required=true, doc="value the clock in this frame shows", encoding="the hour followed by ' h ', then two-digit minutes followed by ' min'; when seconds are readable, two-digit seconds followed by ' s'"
10 h 44 min 08 s
